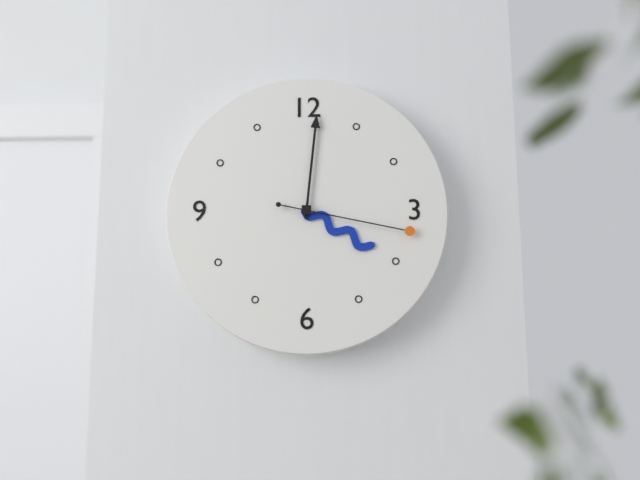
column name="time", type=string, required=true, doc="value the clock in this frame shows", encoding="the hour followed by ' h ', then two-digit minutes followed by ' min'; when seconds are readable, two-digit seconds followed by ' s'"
4 h 01 min 17 s
